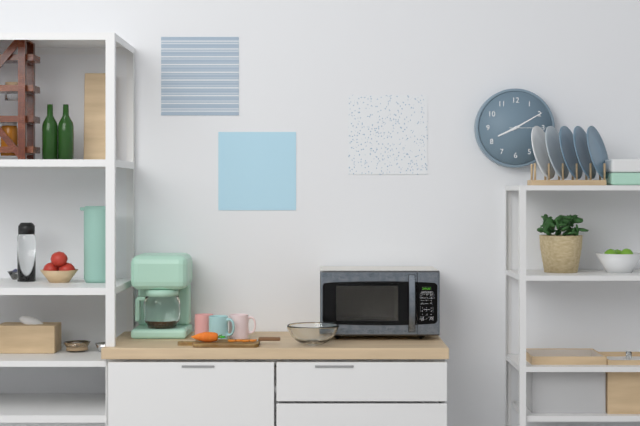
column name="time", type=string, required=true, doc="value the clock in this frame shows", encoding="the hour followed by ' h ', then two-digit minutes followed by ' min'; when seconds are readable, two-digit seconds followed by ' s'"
8 h 10 min
